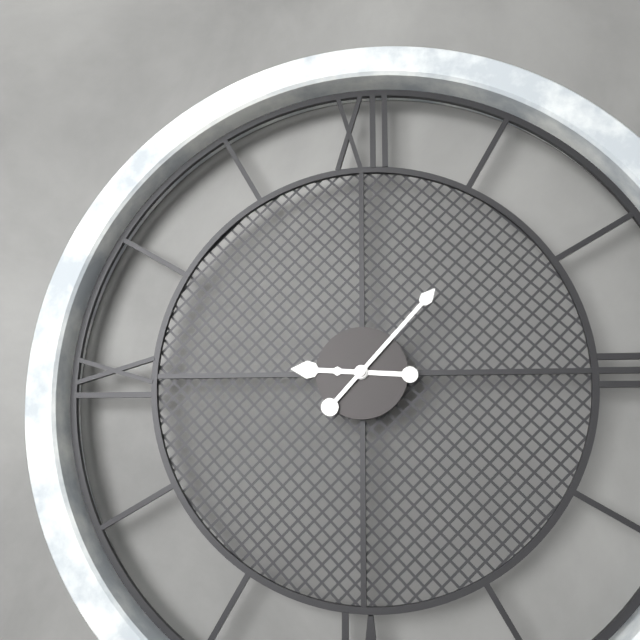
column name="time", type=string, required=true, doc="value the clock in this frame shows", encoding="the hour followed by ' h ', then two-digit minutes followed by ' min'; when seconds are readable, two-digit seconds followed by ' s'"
9 h 07 min
